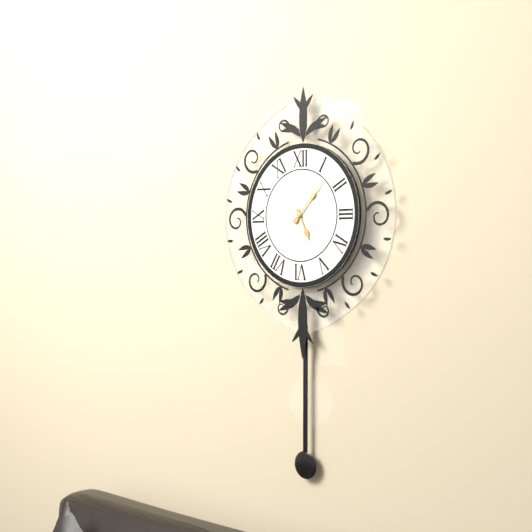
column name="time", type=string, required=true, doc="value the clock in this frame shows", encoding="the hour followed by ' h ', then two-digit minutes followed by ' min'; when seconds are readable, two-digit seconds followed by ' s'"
5 h 07 min
